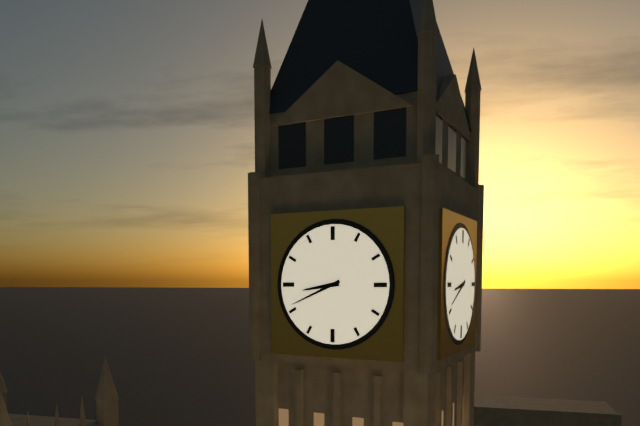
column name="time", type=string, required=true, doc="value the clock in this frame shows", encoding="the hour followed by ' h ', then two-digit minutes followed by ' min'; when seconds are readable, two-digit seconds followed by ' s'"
8 h 41 min
